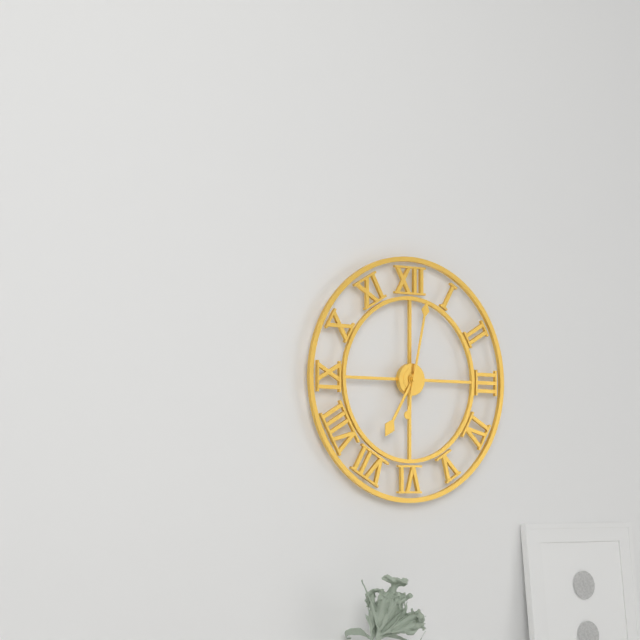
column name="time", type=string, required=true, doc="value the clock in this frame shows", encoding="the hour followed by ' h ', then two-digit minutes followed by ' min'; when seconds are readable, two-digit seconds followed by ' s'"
7 h 02 min
